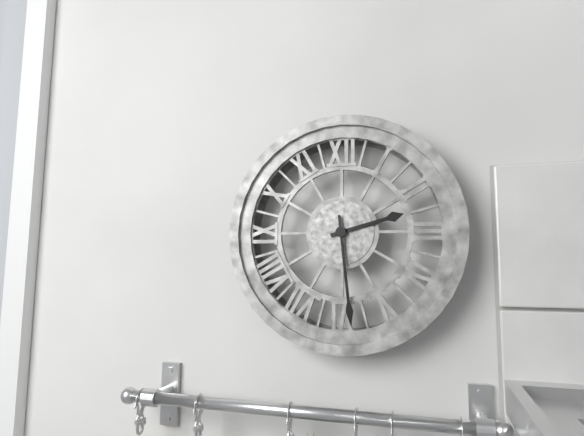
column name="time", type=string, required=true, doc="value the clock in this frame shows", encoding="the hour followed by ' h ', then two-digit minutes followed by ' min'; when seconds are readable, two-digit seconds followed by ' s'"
2 h 29 min
